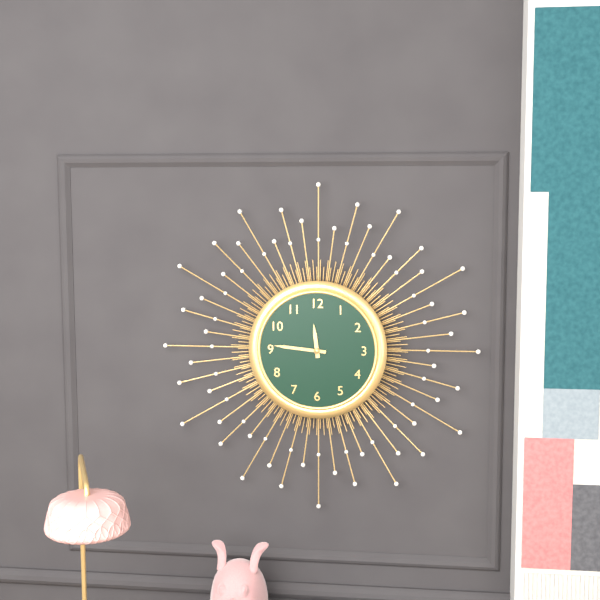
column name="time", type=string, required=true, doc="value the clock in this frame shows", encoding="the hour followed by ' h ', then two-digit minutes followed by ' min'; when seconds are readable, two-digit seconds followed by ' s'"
11 h 46 min
